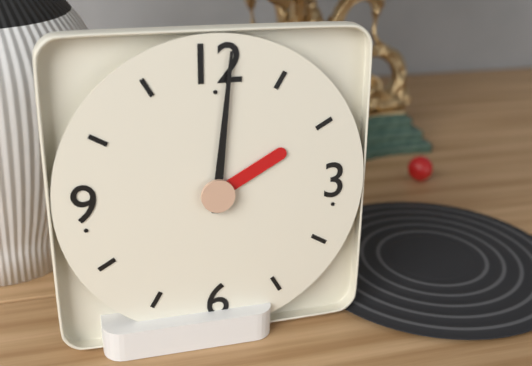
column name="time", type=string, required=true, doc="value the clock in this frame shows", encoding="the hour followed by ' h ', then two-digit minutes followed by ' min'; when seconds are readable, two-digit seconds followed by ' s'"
2 h 01 min
